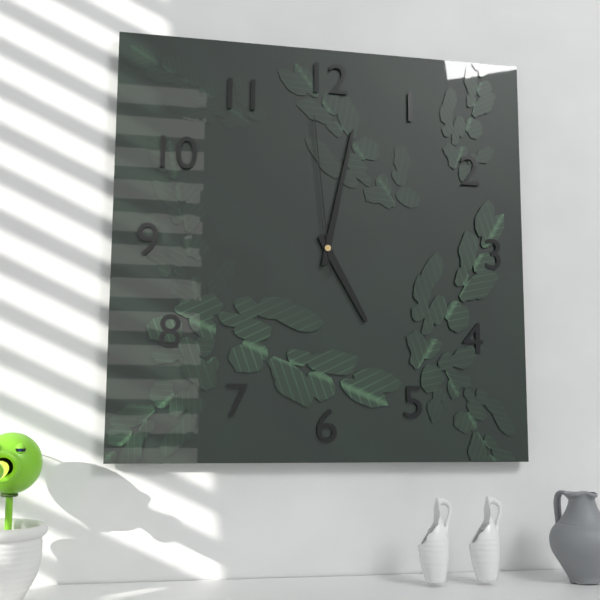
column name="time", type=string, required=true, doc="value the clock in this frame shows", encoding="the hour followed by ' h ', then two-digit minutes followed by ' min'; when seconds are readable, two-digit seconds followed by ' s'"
5 h 02 min 59 s
